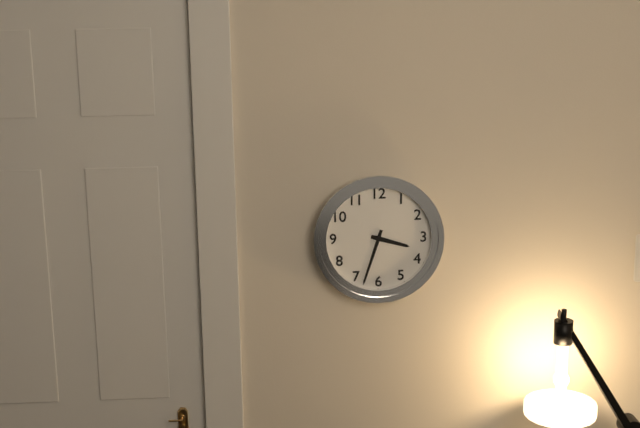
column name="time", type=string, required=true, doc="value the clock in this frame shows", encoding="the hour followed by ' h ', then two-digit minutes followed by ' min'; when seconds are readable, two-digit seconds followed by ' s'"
3 h 33 min
